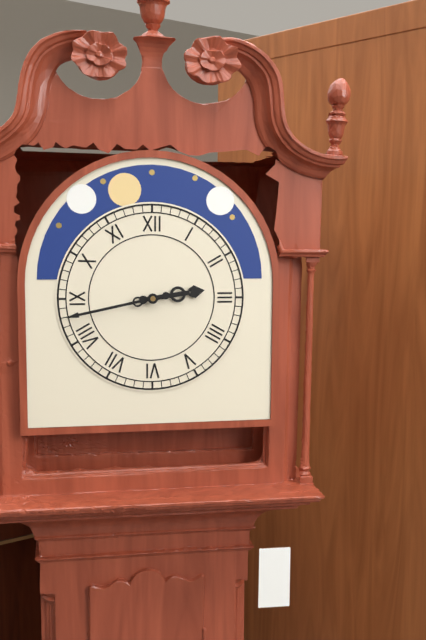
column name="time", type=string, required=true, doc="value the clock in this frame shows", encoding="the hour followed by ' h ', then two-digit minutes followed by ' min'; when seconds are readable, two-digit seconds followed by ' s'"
2 h 43 min
